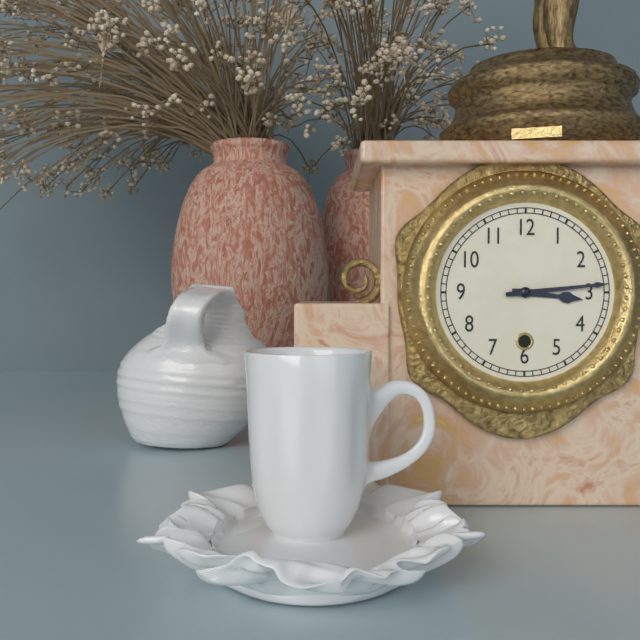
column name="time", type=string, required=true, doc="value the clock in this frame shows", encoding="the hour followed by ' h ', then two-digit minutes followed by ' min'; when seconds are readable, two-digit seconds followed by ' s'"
3 h 14 min
